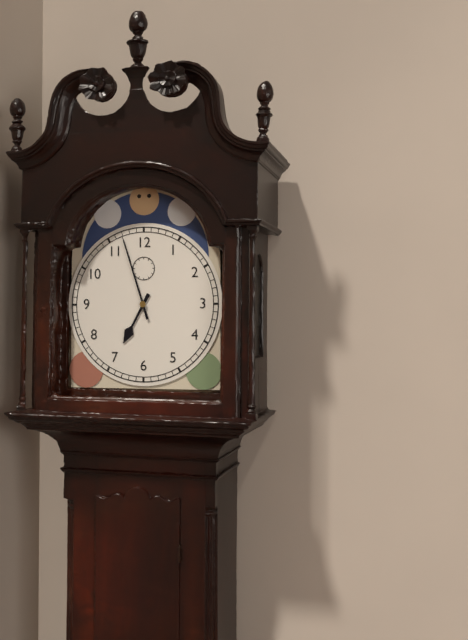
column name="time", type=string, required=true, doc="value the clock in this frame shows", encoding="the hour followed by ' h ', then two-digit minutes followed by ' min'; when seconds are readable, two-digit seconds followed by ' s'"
6 h 57 min
